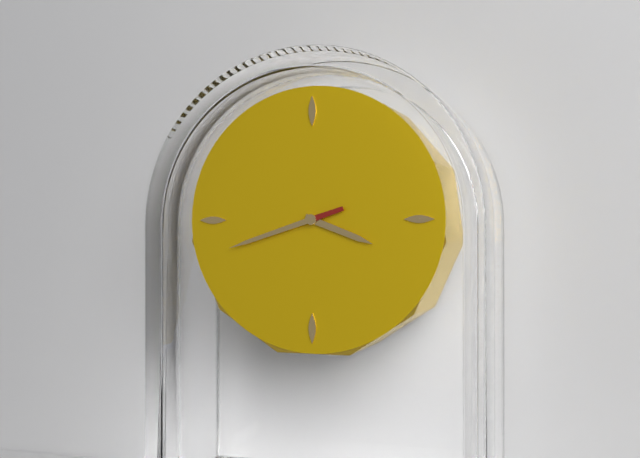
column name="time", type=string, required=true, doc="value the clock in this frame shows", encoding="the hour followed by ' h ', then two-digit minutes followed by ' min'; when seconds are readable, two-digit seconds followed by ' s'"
3 h 42 min
